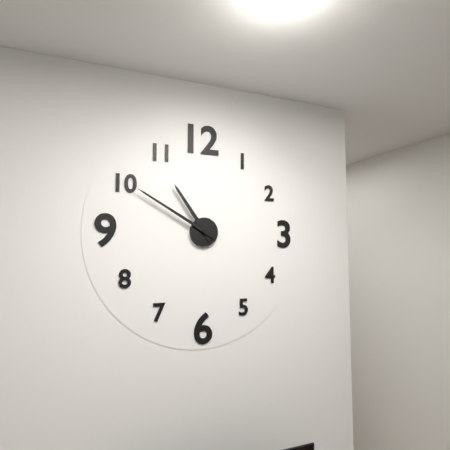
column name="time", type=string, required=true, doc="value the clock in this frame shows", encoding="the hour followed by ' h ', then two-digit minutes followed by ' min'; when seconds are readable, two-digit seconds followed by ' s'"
10 h 50 min
